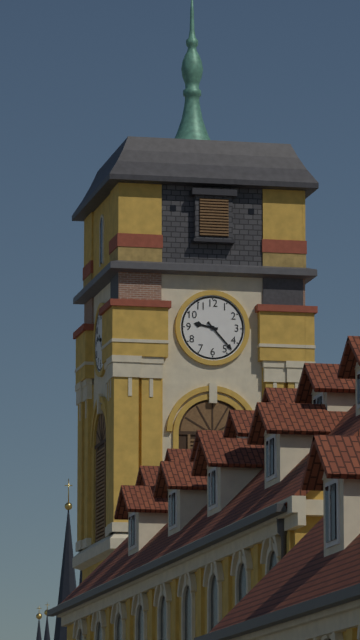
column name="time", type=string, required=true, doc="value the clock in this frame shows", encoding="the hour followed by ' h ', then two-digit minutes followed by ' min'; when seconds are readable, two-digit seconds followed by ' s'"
9 h 23 min
